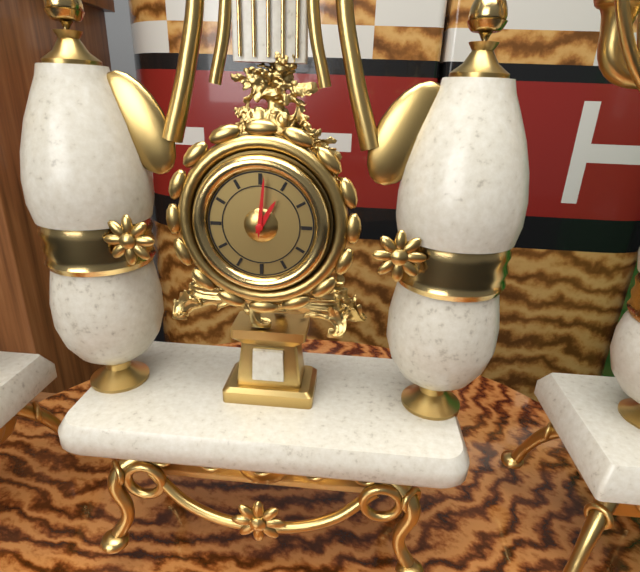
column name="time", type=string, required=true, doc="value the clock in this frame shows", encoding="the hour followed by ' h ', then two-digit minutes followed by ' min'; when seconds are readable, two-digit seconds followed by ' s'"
1 h 01 min
